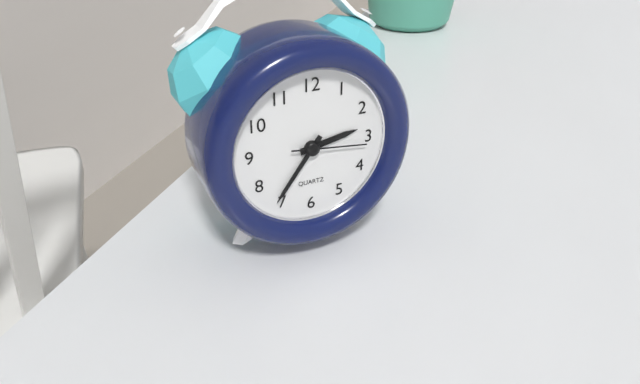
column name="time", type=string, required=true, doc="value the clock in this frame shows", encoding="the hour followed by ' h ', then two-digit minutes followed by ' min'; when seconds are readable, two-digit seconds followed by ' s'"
2 h 36 min 16 s
